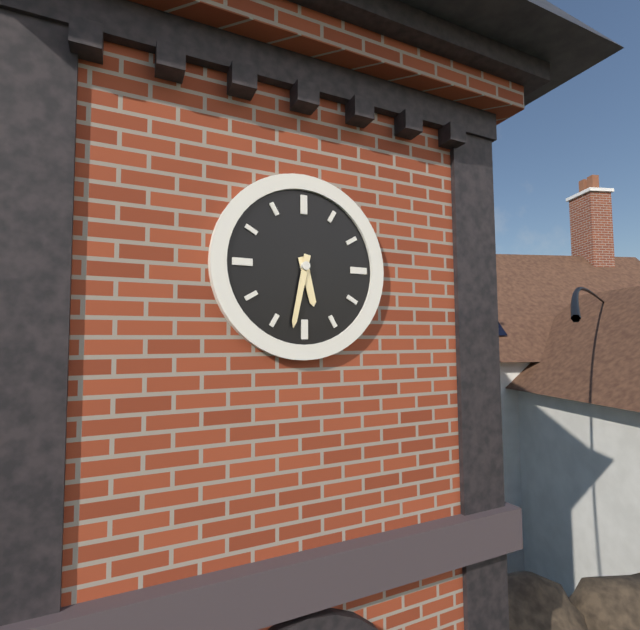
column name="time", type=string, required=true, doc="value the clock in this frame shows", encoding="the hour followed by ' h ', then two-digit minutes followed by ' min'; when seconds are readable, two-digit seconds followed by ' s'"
5 h 32 min
